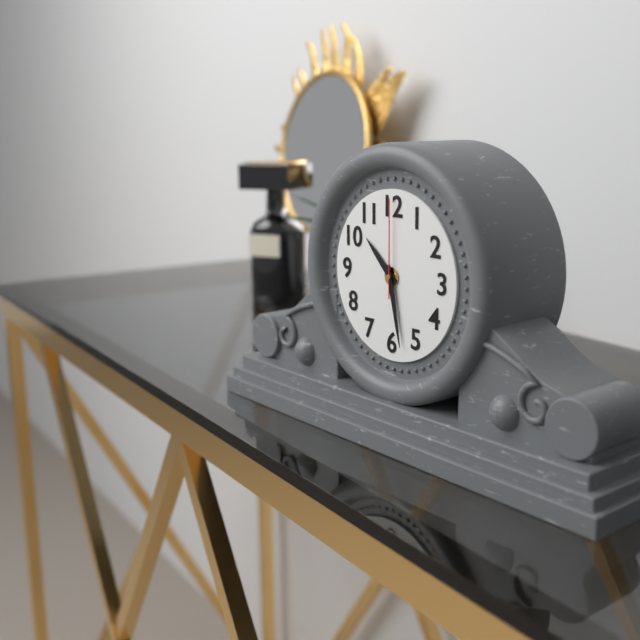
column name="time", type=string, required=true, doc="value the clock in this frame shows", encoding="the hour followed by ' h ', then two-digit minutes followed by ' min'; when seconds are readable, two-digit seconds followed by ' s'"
10 h 28 min 00 s
